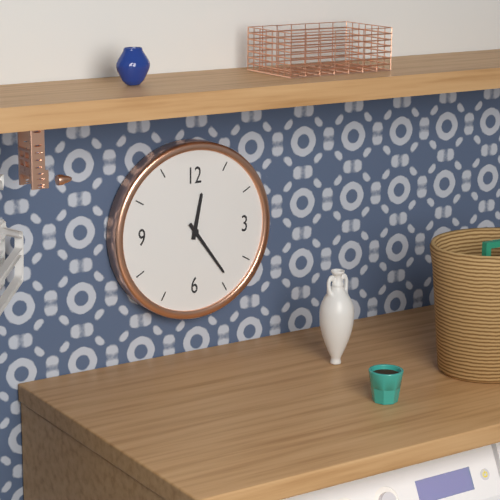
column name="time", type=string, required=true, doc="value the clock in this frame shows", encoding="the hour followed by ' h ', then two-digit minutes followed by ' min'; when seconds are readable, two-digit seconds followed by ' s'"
12 h 24 min
